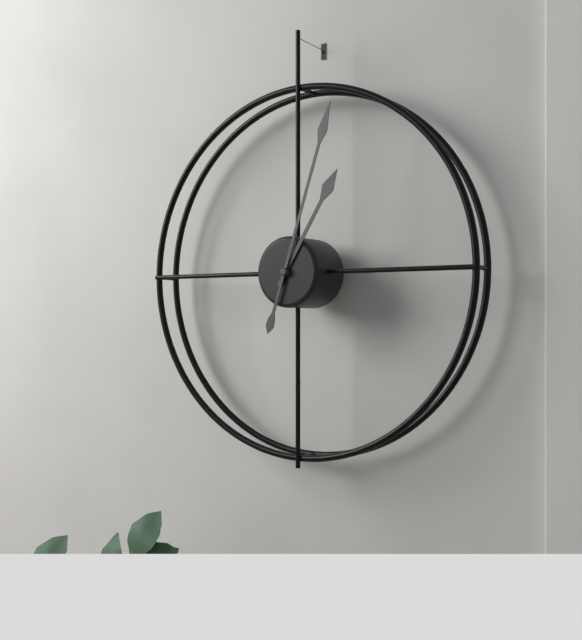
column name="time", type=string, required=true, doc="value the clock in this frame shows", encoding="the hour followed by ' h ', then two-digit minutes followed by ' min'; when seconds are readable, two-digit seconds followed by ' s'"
1 h 03 min
